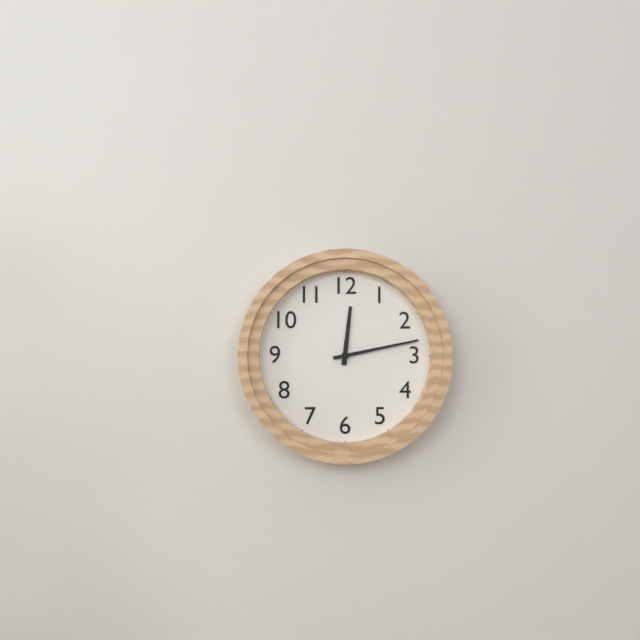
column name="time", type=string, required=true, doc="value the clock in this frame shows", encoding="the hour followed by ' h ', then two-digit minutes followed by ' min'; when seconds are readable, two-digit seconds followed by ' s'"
12 h 13 min
